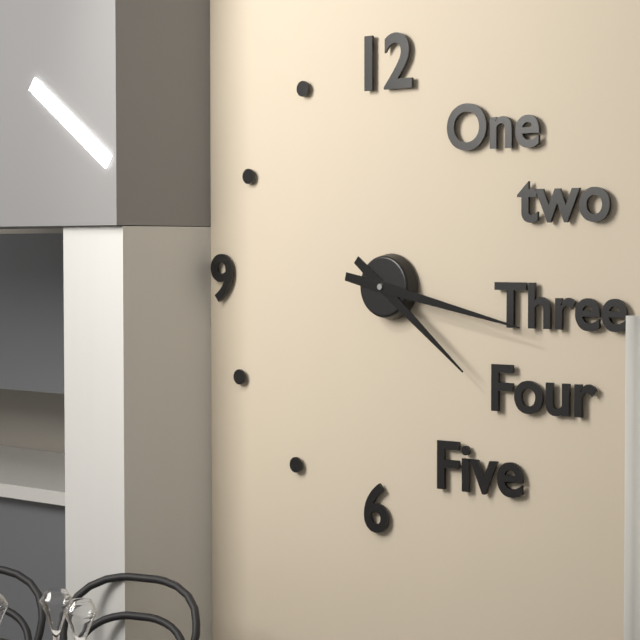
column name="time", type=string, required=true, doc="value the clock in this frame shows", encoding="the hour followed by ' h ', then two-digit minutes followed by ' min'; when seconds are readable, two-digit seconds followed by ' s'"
4 h 17 min
